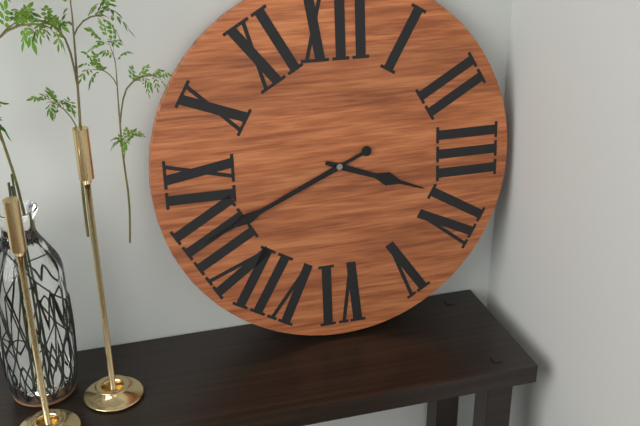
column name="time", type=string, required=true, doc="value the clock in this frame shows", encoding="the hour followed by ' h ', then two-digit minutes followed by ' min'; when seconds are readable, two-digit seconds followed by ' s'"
3 h 41 min
